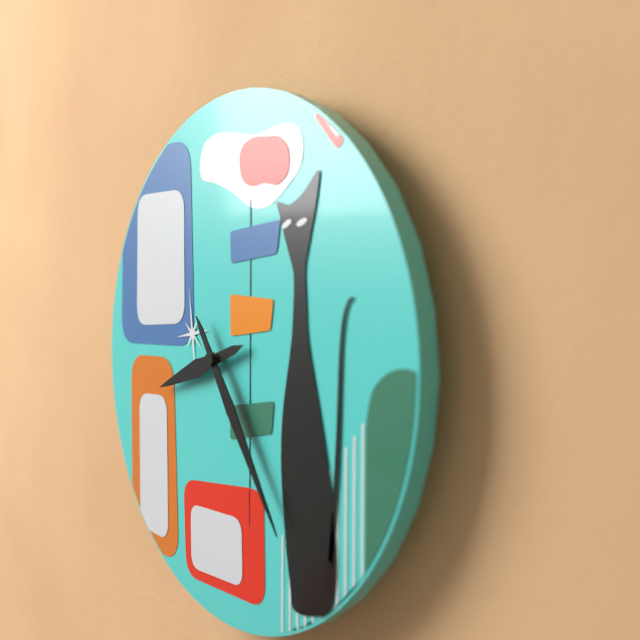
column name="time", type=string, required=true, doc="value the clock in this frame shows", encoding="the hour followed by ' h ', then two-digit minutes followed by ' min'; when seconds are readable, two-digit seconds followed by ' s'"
8 h 24 min
